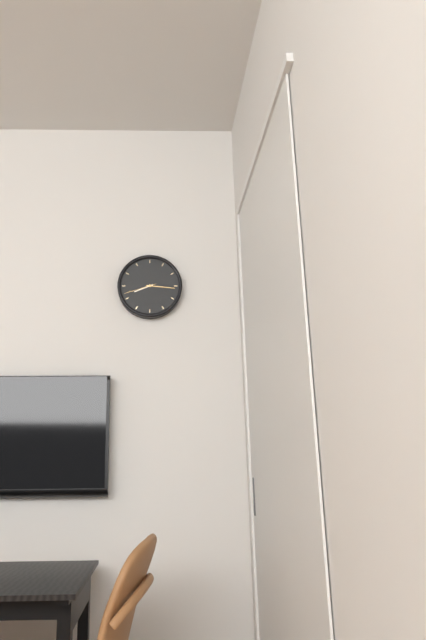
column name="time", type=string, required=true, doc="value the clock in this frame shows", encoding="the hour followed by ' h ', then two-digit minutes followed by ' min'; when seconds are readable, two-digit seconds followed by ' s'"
8 h 16 min
